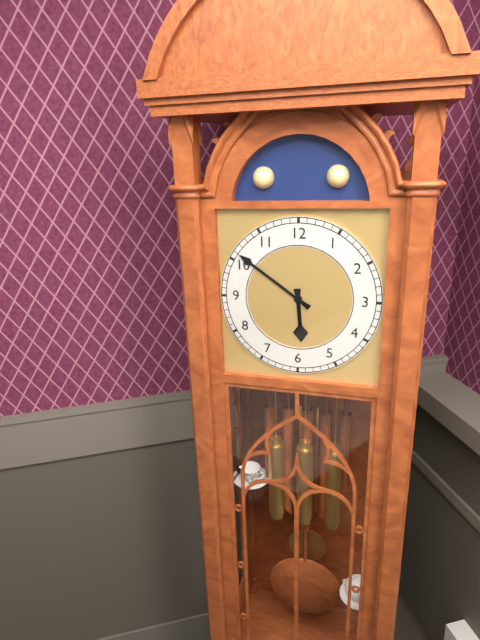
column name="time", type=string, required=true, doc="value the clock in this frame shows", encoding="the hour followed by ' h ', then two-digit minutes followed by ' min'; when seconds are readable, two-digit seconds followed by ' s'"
5 h 51 min
